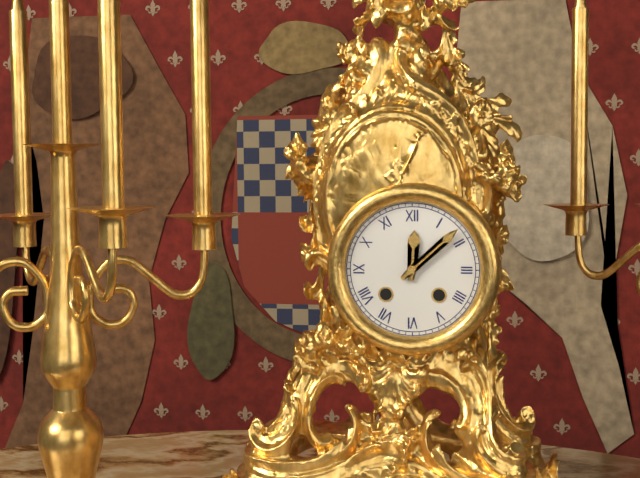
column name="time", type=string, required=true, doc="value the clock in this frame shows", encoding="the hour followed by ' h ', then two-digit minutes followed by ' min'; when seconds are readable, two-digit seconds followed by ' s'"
12 h 08 min
